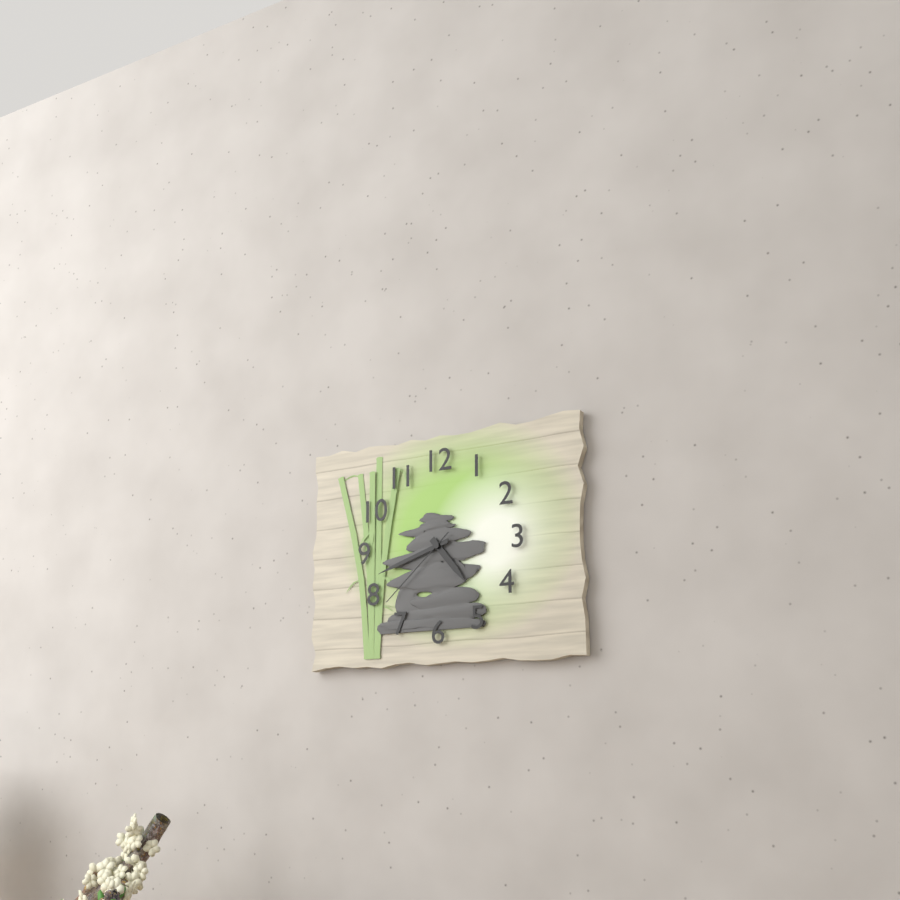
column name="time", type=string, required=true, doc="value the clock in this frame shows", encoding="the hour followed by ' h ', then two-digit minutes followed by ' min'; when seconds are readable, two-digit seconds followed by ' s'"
4 h 42 min 38 s
